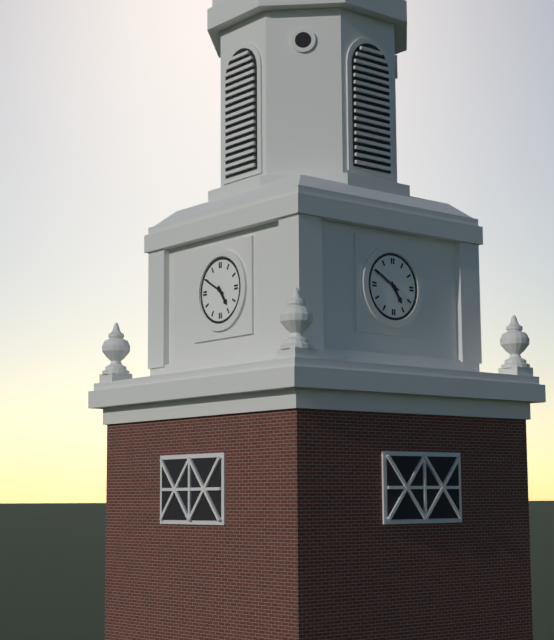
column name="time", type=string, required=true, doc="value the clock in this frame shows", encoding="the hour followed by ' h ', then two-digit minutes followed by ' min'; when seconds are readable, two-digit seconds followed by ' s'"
4 h 50 min
